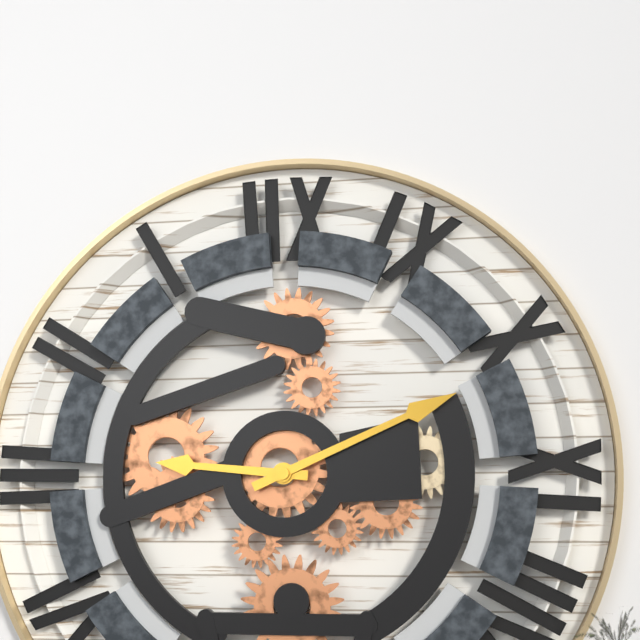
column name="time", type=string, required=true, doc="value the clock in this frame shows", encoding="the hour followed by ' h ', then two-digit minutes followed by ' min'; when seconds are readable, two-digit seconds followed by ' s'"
9 h 11 min
